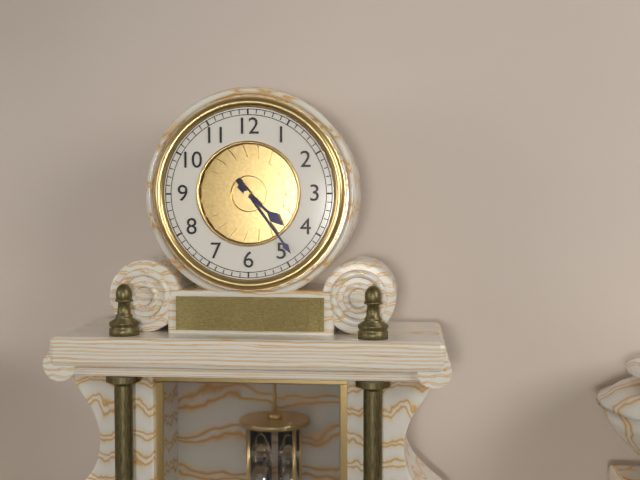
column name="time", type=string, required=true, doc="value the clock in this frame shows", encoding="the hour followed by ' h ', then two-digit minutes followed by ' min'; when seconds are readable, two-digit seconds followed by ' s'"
4 h 24 min
